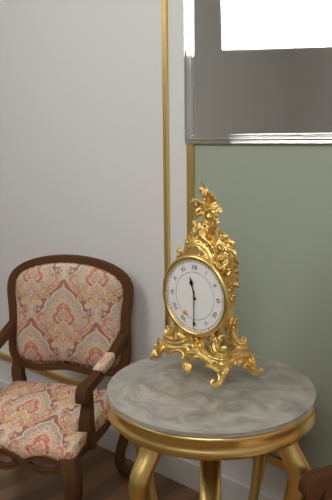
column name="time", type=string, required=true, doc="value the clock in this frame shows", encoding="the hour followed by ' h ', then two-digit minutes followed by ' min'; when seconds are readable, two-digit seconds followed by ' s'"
11 h 30 min
